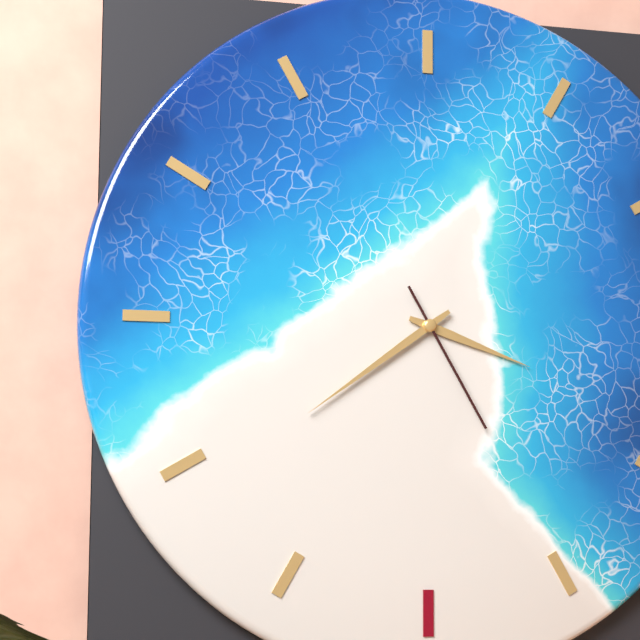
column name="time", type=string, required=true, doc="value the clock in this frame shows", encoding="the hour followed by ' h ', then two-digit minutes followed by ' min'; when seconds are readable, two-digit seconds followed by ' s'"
3 h 39 min 25 s
